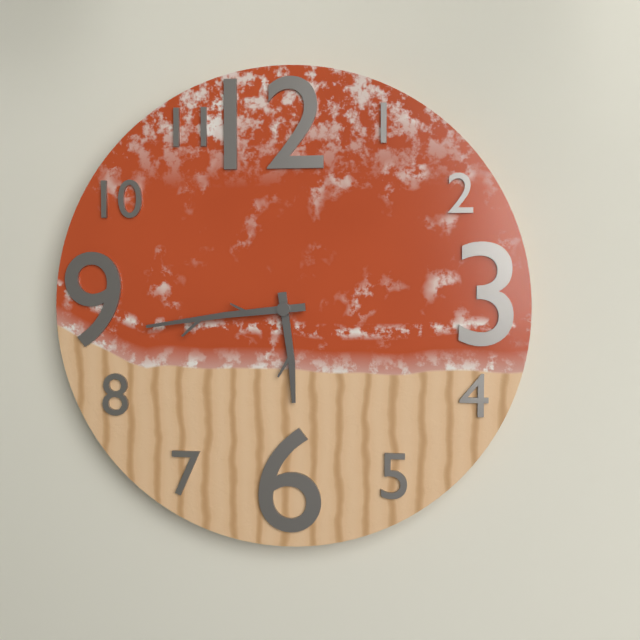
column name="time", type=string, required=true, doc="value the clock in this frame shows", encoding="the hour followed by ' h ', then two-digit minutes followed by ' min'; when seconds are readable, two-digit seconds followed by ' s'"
5 h 44 min
